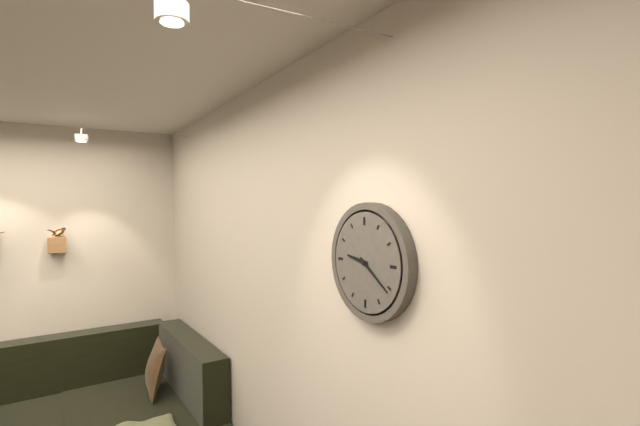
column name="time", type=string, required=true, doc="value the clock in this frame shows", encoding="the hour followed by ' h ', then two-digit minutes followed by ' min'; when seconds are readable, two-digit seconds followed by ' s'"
9 h 21 min
